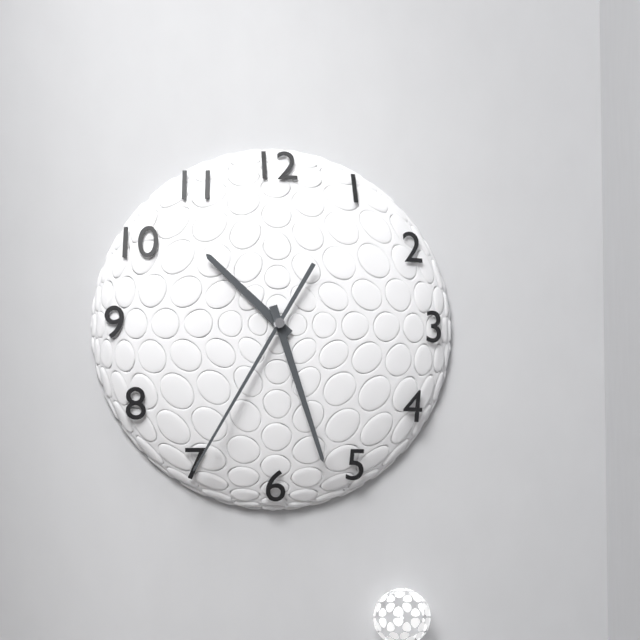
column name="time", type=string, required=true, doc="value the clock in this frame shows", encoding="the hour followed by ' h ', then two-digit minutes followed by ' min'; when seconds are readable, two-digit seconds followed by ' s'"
10 h 27 min 35 s
